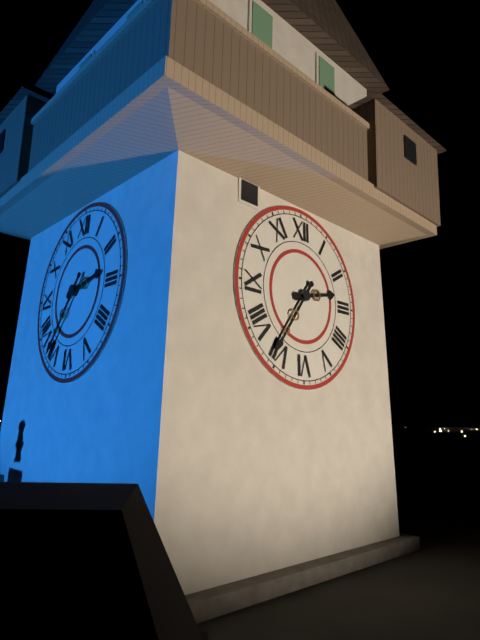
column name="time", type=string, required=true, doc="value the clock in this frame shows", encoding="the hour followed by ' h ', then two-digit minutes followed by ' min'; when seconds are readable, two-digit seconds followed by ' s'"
2 h 36 min
